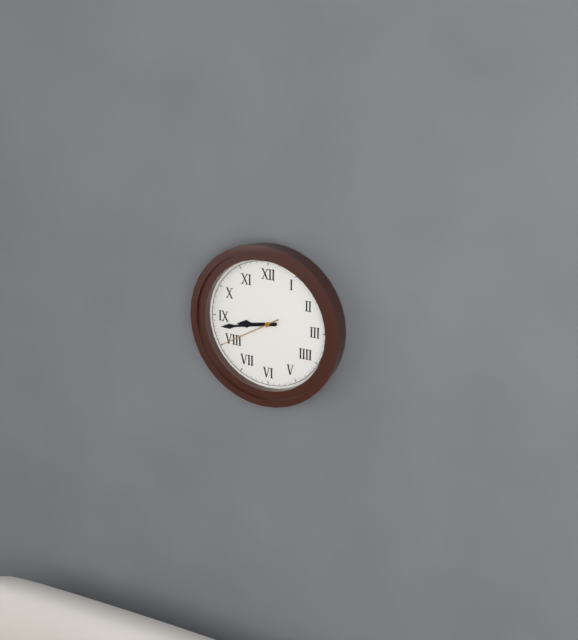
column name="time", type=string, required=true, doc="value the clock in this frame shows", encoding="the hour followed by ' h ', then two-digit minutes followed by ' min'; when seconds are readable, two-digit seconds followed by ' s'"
8 h 43 min 40 s
